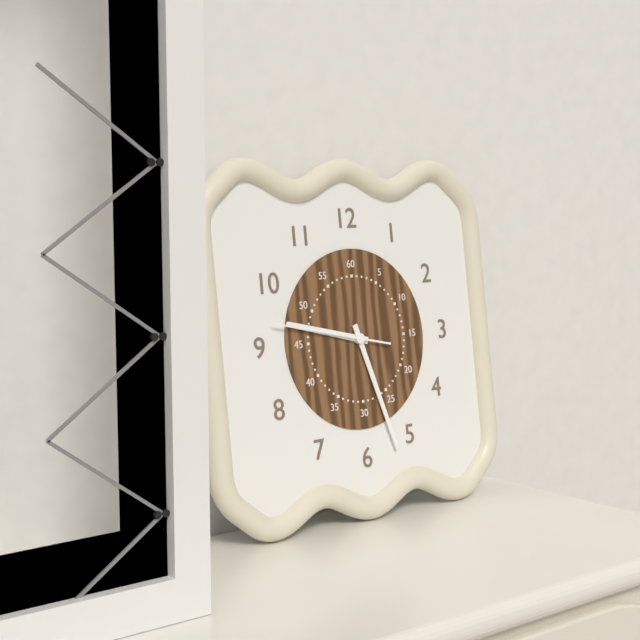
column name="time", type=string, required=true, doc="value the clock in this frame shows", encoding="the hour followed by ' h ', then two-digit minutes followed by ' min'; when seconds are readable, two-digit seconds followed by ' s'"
9 h 27 min 47 s
